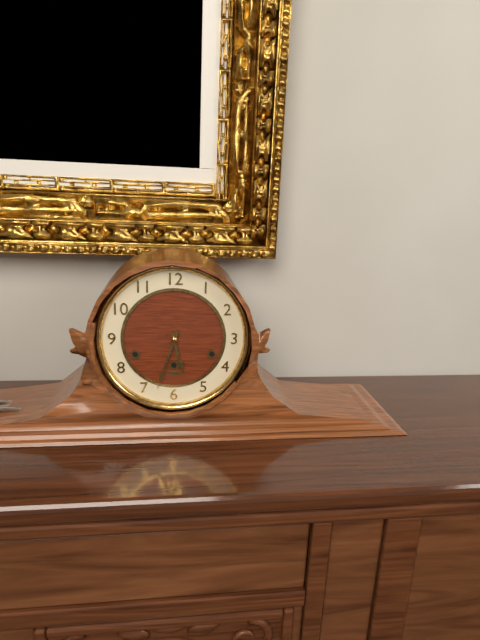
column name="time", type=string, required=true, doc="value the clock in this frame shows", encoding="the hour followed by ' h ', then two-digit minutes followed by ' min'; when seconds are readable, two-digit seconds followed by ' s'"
5 h 33 min
